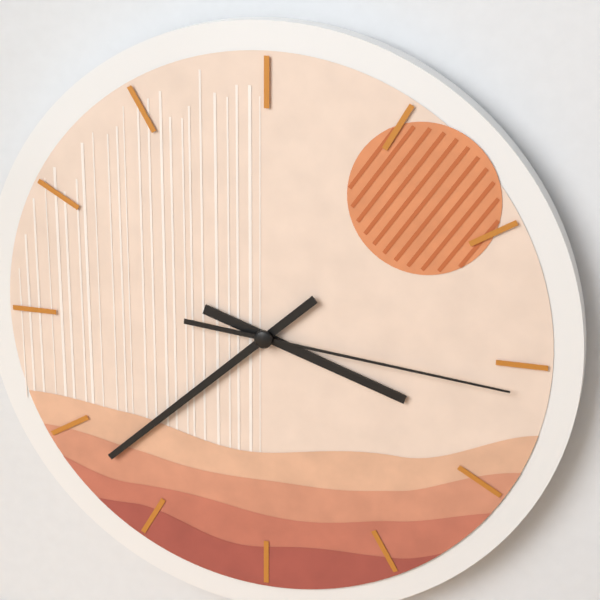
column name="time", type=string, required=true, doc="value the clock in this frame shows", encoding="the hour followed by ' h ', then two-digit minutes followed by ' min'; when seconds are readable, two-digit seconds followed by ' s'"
3 h 38 min 16 s
